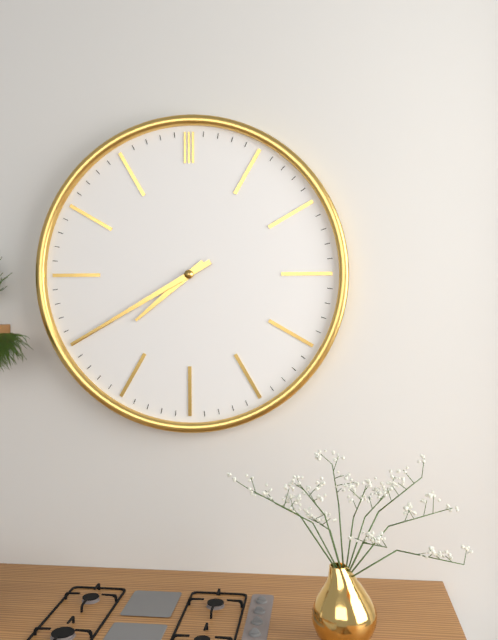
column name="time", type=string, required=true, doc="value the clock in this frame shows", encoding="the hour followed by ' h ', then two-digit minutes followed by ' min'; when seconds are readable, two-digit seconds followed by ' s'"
7 h 40 min
